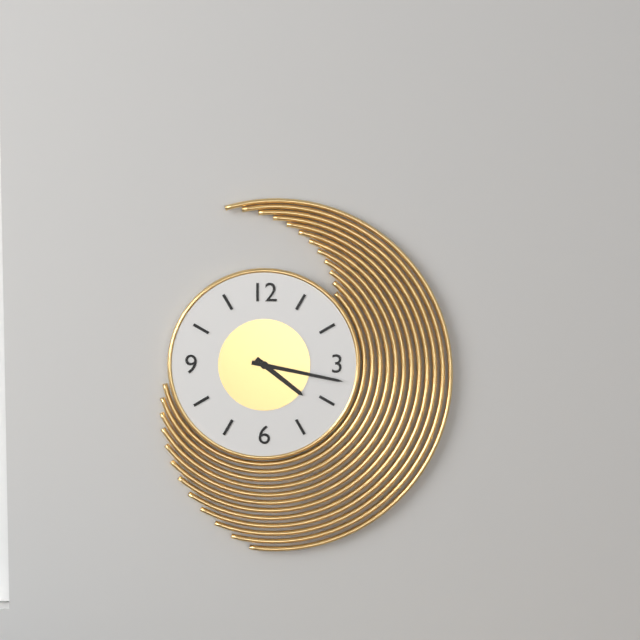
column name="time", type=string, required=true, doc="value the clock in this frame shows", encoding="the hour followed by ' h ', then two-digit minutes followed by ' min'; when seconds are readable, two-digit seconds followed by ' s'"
4 h 17 min
